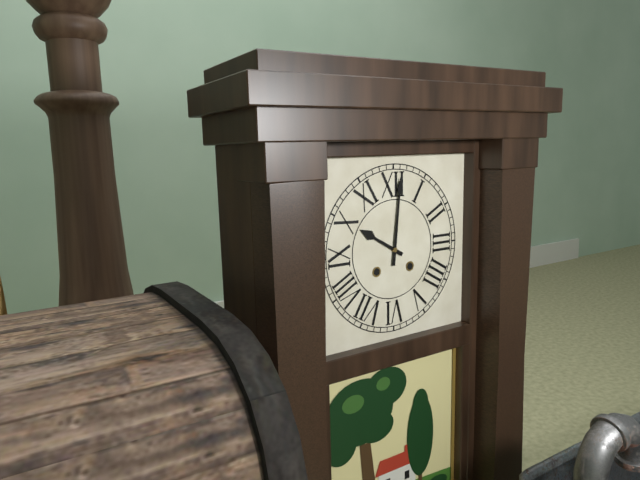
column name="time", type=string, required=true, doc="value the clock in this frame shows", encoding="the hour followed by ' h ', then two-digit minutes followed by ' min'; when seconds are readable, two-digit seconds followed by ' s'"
10 h 01 min
